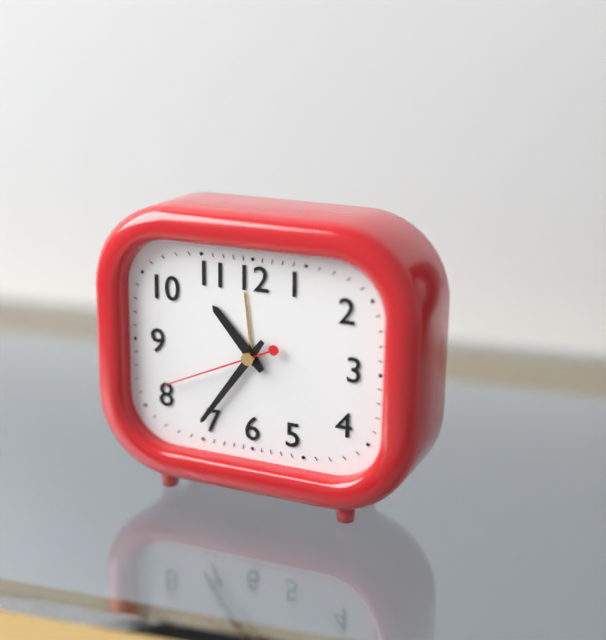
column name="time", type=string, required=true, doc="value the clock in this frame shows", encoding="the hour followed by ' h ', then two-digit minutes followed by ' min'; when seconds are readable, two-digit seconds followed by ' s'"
10 h 36 min 41 s
